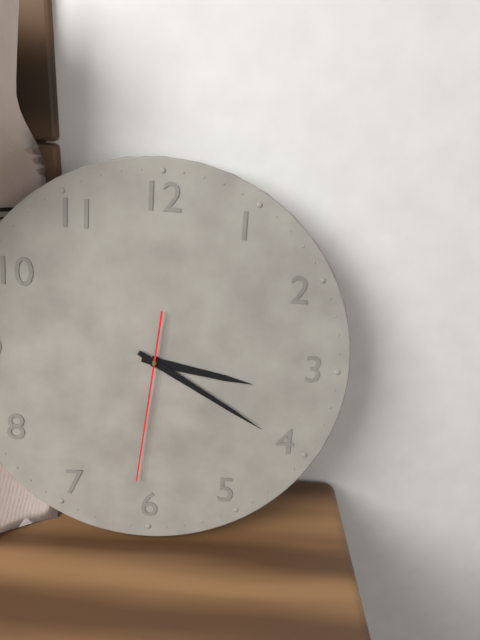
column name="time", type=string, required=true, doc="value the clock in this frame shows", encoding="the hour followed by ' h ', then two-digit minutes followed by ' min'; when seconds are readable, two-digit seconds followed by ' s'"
3 h 20 min 31 s
